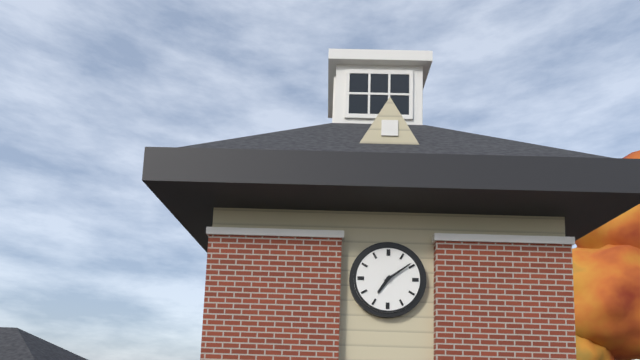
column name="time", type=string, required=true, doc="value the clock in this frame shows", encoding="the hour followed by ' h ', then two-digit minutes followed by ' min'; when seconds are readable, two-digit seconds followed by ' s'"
7 h 09 min
